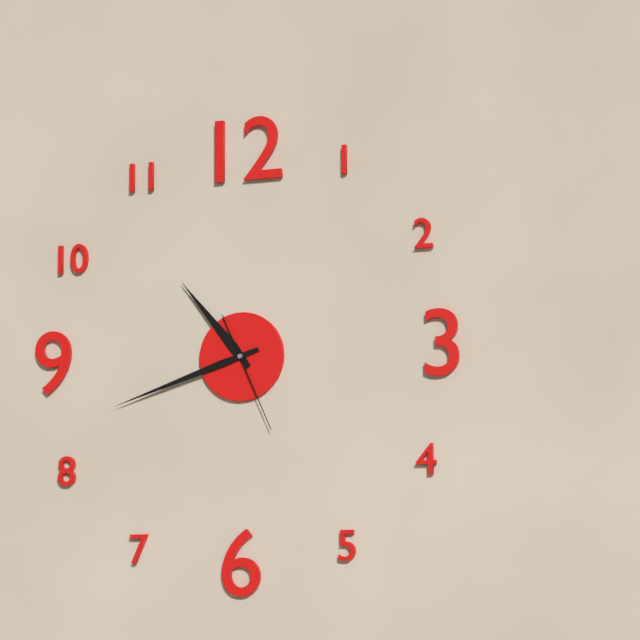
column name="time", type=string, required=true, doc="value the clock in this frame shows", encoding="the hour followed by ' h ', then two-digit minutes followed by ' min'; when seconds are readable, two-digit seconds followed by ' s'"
10 h 42 min 26 s
